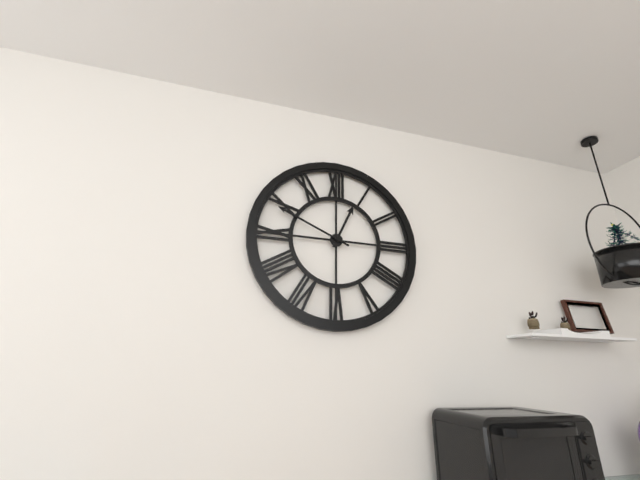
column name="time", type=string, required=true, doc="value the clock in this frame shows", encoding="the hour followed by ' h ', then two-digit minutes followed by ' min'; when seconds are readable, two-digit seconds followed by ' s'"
12 h 49 min
